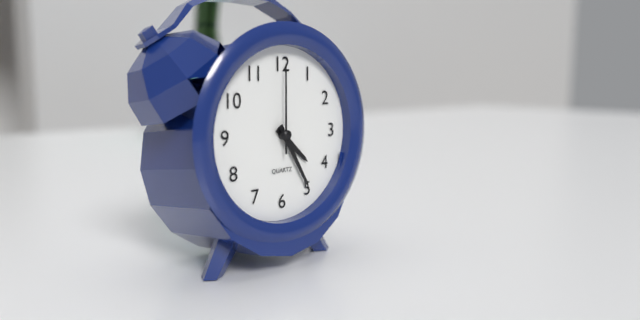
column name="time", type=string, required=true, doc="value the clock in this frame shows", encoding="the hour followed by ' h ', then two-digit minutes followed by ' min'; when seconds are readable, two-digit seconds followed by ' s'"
4 h 25 min 00 s
